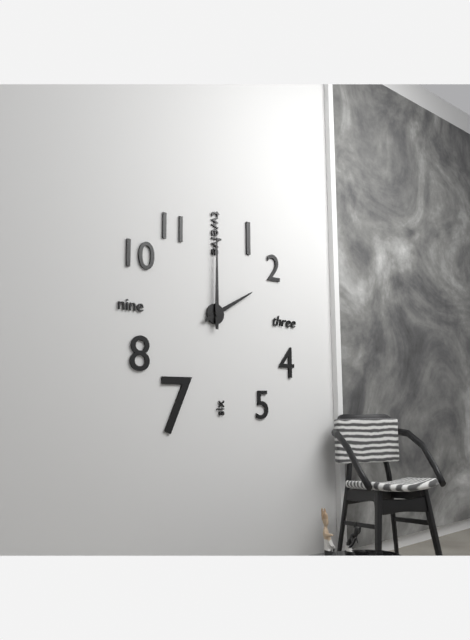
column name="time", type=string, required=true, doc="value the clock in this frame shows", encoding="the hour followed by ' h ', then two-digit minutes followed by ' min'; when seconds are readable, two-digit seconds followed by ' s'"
2 h 00 min
